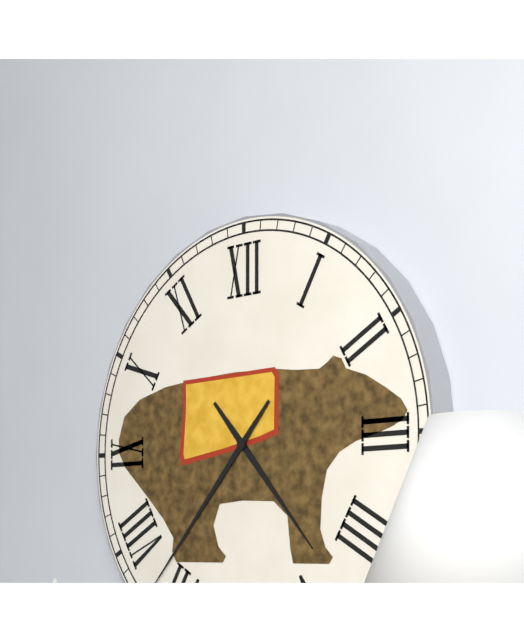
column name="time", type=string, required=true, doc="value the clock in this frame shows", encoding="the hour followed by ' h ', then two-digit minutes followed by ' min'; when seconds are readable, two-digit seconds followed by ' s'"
4 h 37 min
